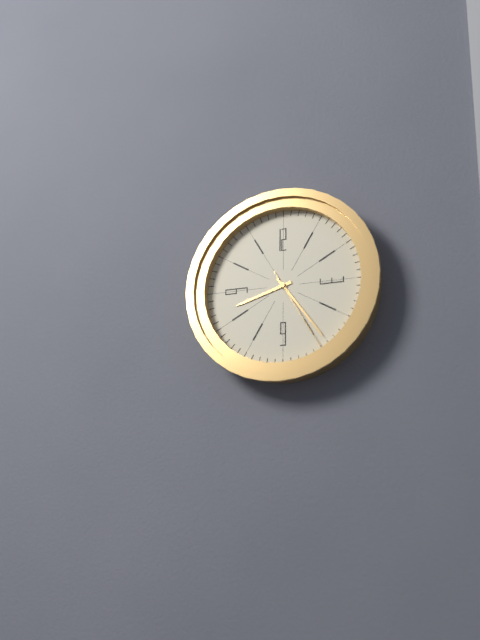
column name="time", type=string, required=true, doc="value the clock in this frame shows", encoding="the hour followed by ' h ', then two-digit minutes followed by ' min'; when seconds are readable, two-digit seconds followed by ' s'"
8 h 24 min 25 s
